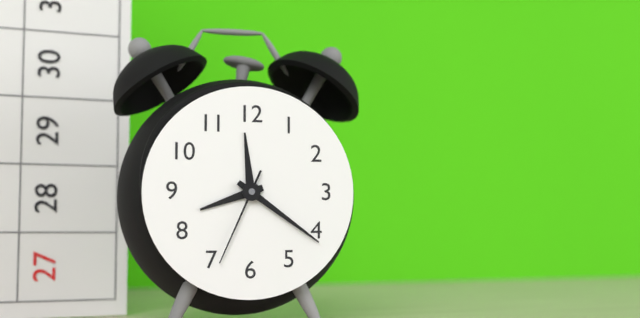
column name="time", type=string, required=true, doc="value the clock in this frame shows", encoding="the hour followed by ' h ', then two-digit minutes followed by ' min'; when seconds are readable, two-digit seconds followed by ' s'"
8 h 21 min 34 s
